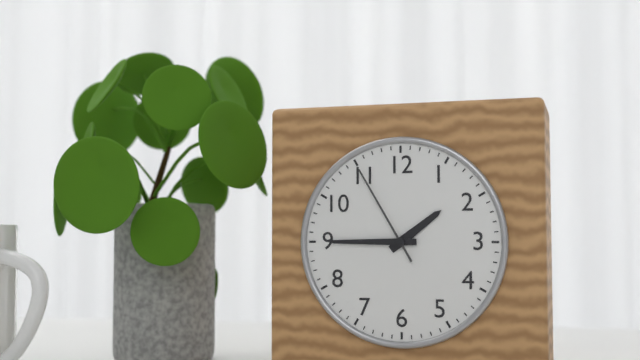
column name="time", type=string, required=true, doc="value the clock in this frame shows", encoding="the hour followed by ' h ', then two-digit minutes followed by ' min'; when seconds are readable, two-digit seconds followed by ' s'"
1 h 45 min 55 s
